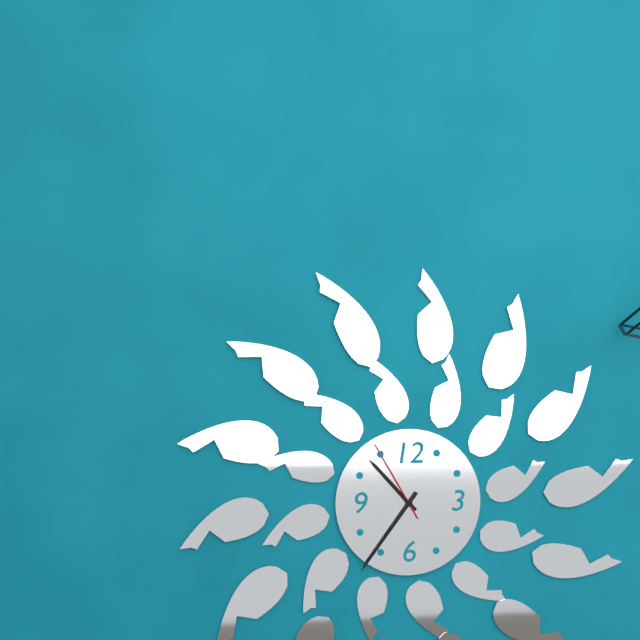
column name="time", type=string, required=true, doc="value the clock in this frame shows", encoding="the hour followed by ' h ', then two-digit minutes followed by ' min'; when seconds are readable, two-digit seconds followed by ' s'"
10 h 36 min 55 s
